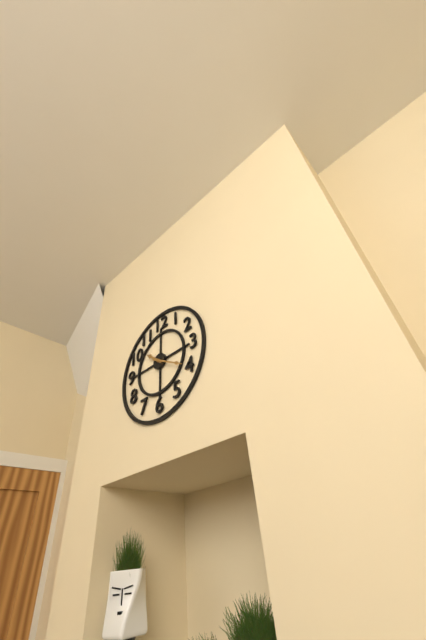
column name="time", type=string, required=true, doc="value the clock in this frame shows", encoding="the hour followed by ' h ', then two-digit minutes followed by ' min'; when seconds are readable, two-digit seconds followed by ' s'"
10 h 20 min
